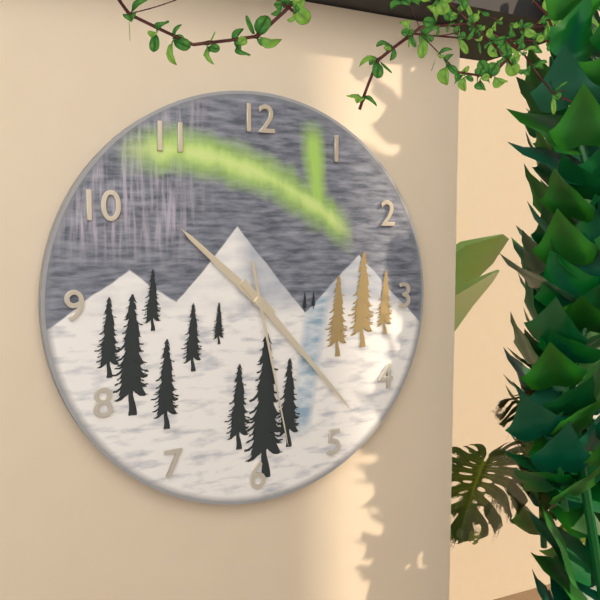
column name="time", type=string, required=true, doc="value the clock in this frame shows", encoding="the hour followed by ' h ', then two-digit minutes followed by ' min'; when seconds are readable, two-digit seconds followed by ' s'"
10 h 23 min 28 s
